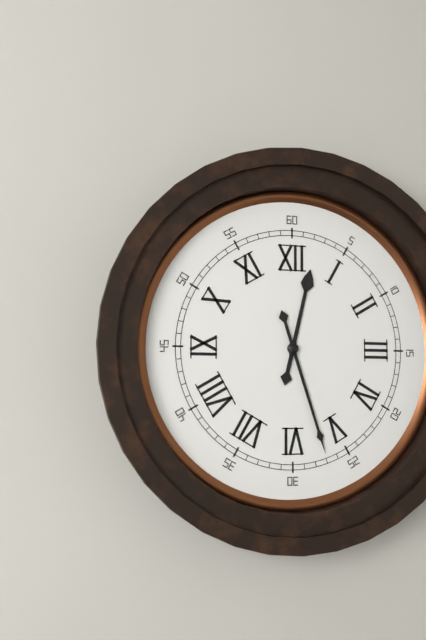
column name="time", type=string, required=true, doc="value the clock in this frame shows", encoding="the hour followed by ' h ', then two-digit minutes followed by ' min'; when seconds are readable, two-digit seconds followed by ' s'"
12 h 27 min
